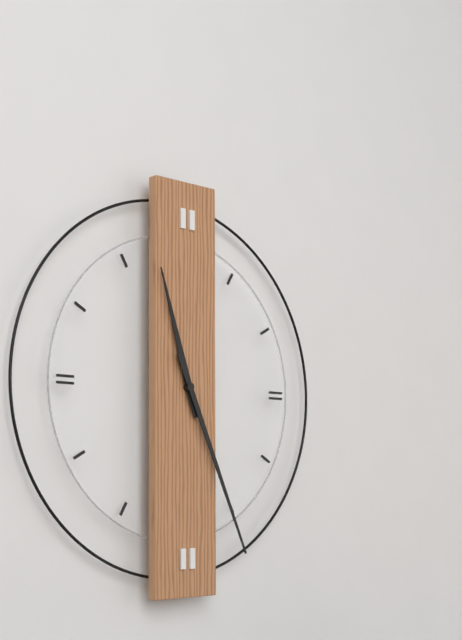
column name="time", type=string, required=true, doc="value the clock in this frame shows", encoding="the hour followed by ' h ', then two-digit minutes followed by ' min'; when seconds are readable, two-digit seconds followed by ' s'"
11 h 26 min
